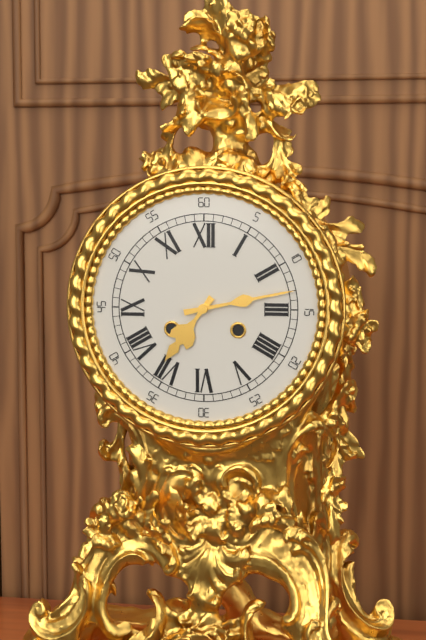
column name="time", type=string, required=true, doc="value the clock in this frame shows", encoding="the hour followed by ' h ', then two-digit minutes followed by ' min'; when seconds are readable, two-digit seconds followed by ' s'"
7 h 13 min
